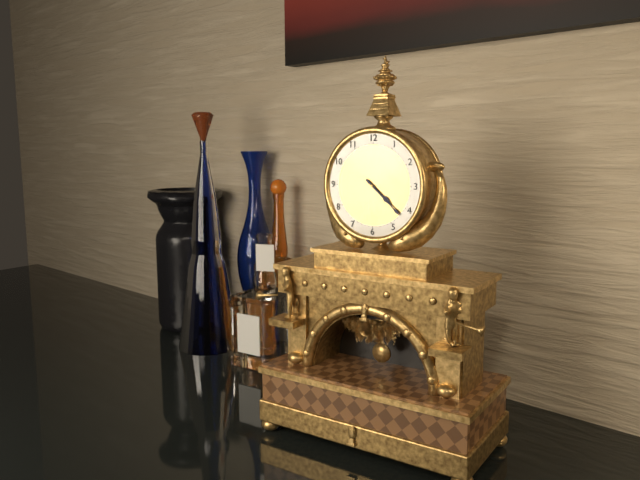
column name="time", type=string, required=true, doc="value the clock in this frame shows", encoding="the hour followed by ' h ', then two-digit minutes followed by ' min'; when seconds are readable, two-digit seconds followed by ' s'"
4 h 22 min
